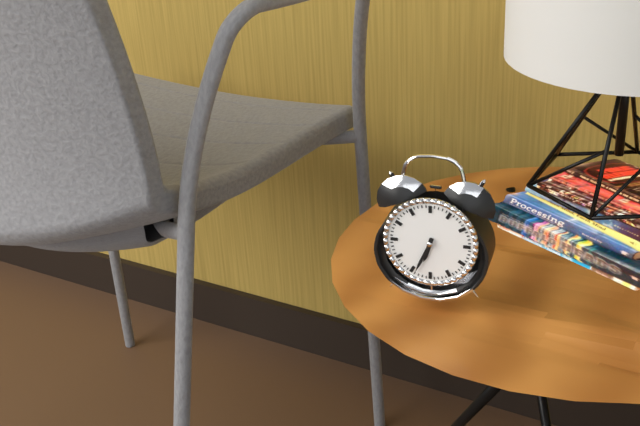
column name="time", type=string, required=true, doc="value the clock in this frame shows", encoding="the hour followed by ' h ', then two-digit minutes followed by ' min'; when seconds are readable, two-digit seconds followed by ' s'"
6 h 34 min
